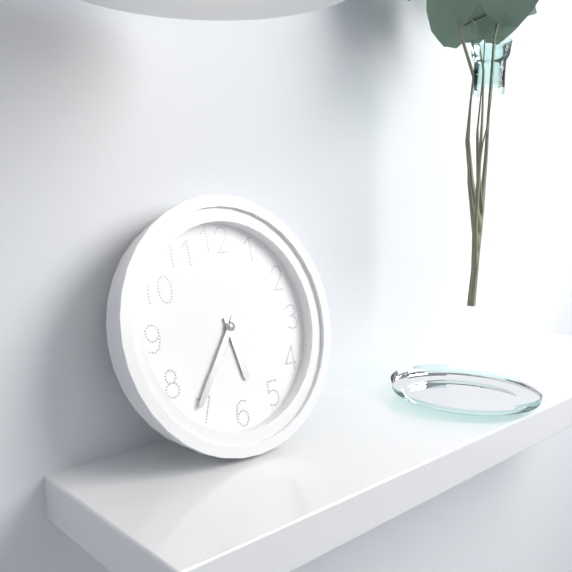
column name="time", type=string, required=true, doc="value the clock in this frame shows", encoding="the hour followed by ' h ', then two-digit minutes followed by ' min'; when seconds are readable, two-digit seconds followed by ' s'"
5 h 36 min
